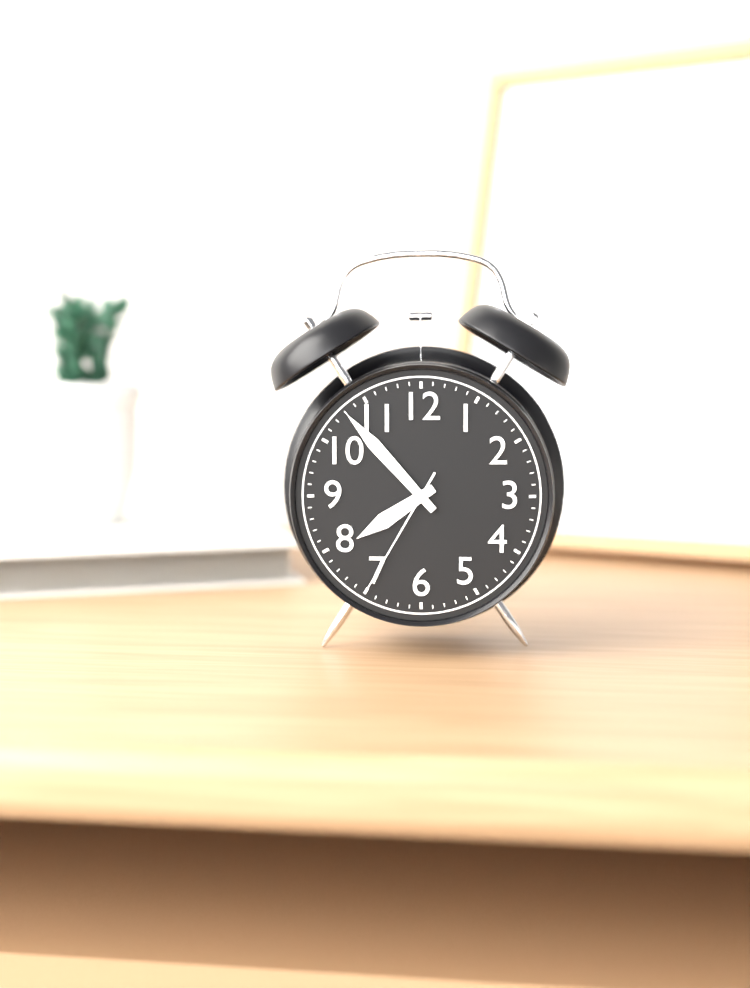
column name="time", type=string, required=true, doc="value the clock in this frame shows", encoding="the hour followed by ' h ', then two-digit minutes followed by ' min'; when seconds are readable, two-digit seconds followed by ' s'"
7 h 53 min 35 s
